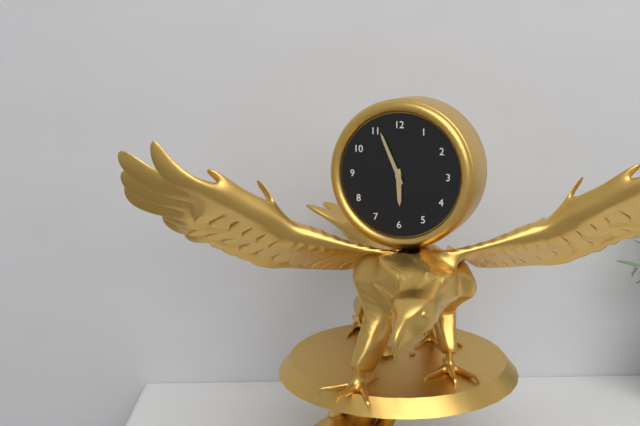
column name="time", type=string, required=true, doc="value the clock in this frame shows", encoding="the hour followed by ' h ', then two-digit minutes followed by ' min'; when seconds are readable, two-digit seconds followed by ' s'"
5 h 56 min
